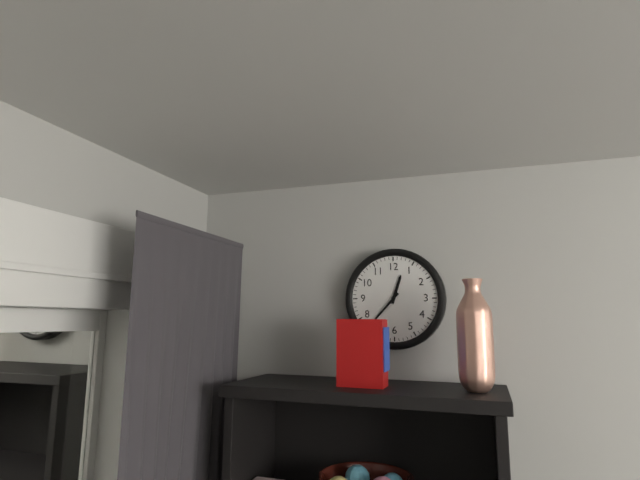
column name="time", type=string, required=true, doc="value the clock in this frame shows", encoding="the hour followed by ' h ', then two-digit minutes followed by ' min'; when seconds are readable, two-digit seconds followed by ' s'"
12 h 37 min
